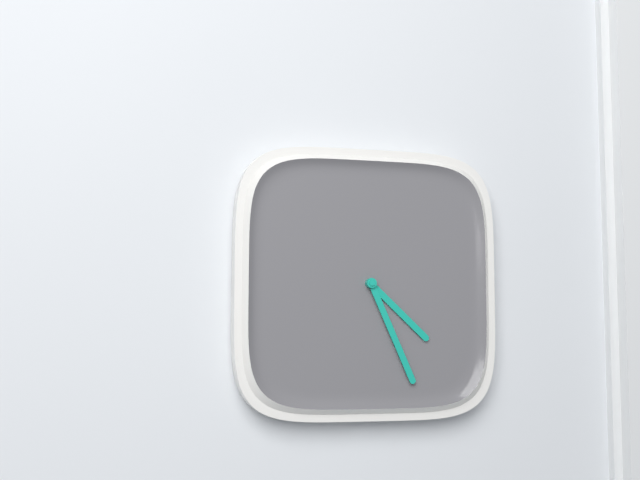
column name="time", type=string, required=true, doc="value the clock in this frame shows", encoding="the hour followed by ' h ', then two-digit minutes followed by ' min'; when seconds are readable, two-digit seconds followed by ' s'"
4 h 26 min
